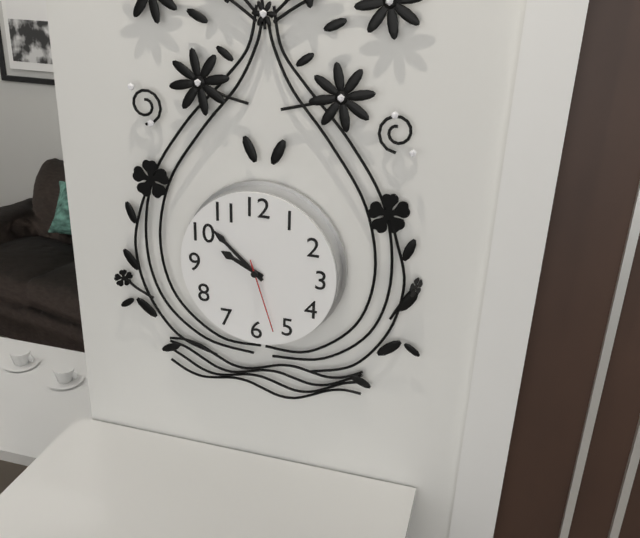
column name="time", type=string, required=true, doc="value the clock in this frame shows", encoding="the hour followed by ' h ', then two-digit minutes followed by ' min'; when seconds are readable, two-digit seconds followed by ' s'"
9 h 52 min 27 s
